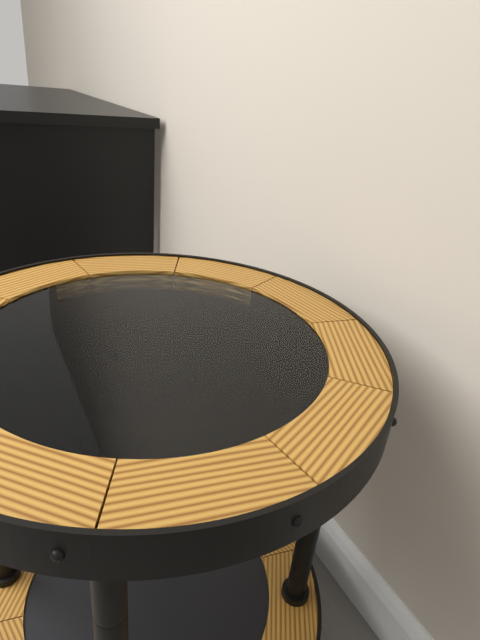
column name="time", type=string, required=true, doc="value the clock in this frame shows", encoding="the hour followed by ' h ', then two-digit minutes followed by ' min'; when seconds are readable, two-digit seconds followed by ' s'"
1 h 26 min
